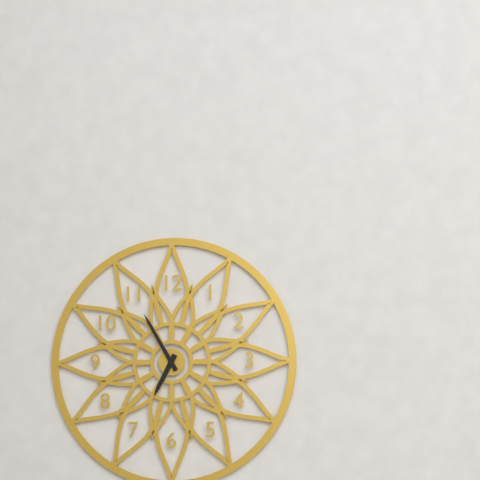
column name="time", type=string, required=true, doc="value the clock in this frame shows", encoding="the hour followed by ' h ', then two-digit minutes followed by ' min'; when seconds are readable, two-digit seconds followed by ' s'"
6 h 55 min
